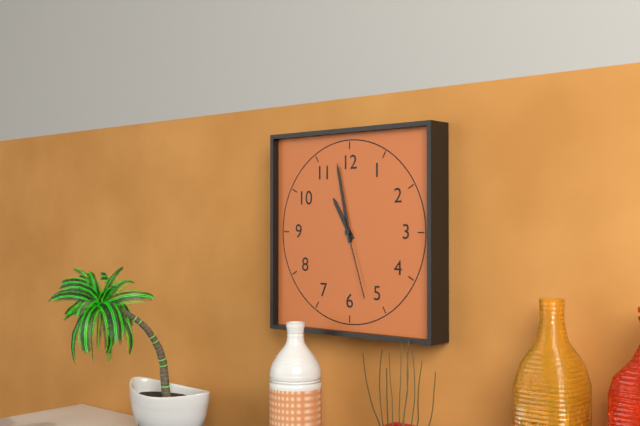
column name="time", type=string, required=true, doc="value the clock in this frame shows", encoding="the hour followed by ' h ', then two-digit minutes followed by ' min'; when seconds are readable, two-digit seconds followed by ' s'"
10 h 58 min 27 s
